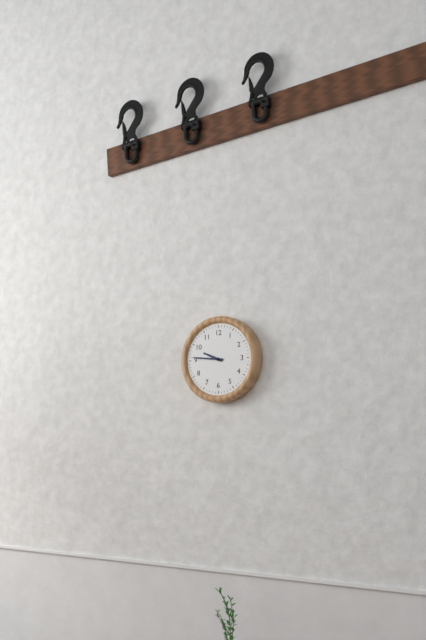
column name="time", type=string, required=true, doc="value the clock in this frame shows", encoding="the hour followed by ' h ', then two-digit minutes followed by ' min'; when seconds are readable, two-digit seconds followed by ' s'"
9 h 46 min
